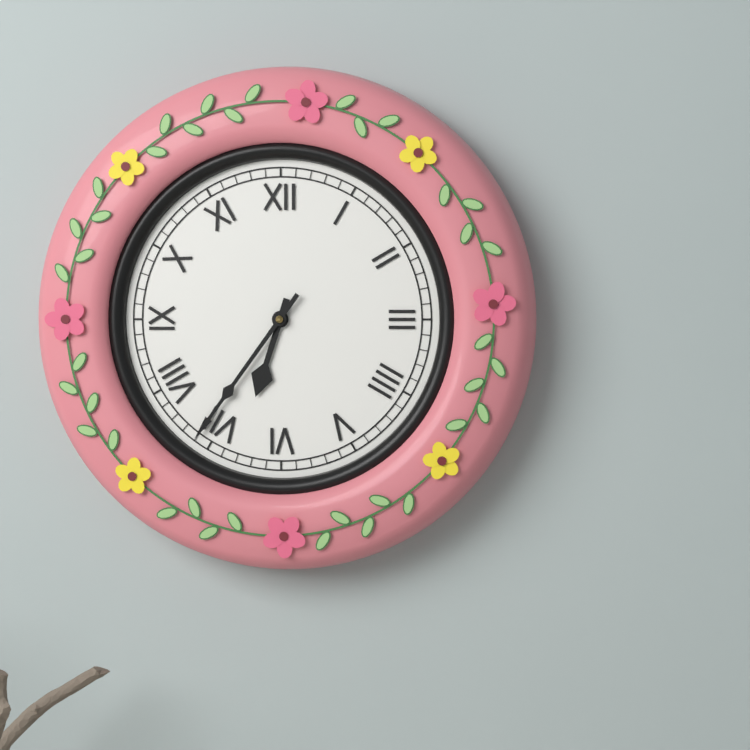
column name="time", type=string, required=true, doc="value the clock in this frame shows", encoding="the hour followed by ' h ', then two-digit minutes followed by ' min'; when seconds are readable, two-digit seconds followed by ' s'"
6 h 36 min
